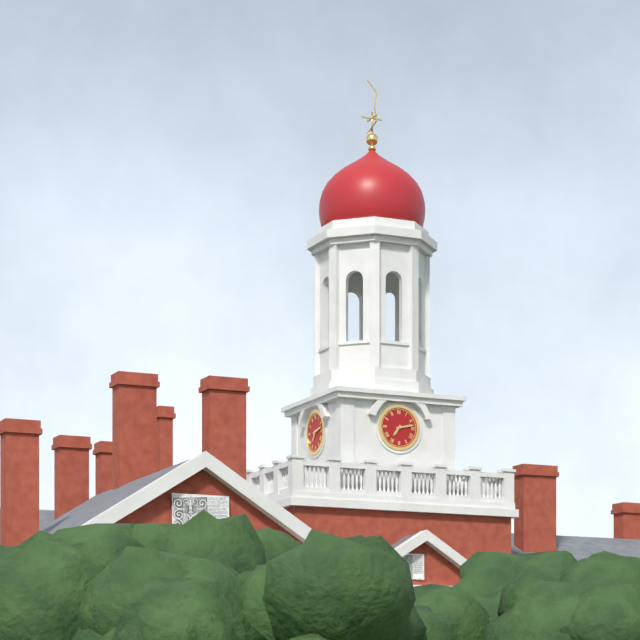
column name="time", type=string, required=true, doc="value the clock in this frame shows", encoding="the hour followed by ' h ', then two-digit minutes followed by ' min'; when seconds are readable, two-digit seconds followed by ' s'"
7 h 13 min
